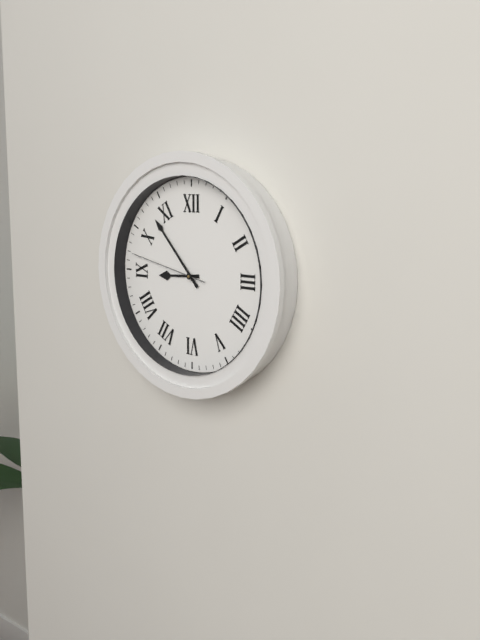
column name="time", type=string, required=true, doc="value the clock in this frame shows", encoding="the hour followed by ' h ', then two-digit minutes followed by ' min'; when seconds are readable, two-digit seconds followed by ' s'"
8 h 53 min 47 s
